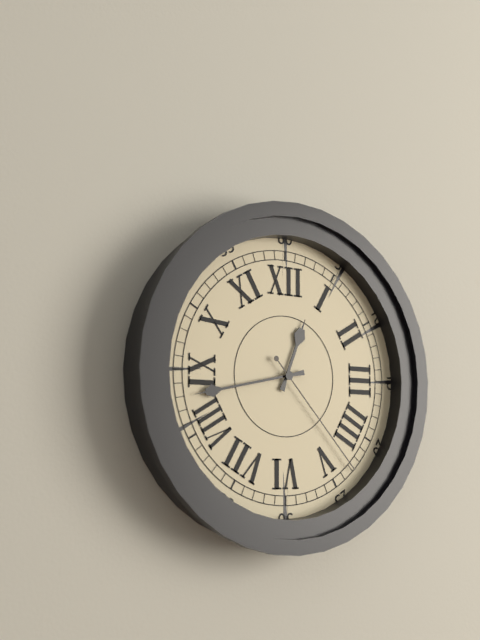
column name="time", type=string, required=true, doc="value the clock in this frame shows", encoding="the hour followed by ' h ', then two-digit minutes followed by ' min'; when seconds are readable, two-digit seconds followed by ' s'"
12 h 43 min 23 s
